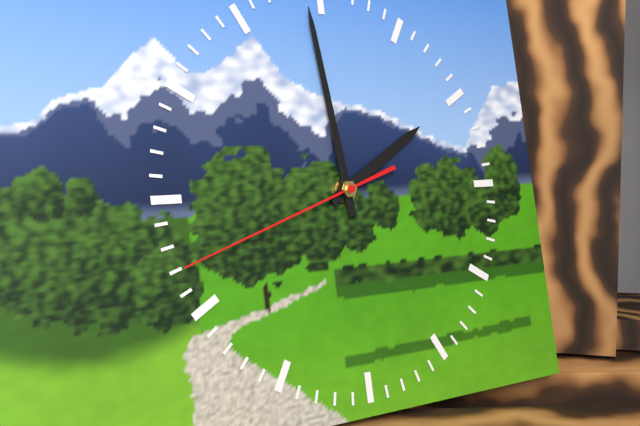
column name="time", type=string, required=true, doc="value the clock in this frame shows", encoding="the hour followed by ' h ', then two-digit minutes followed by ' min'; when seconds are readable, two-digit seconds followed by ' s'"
1 h 59 min 42 s
